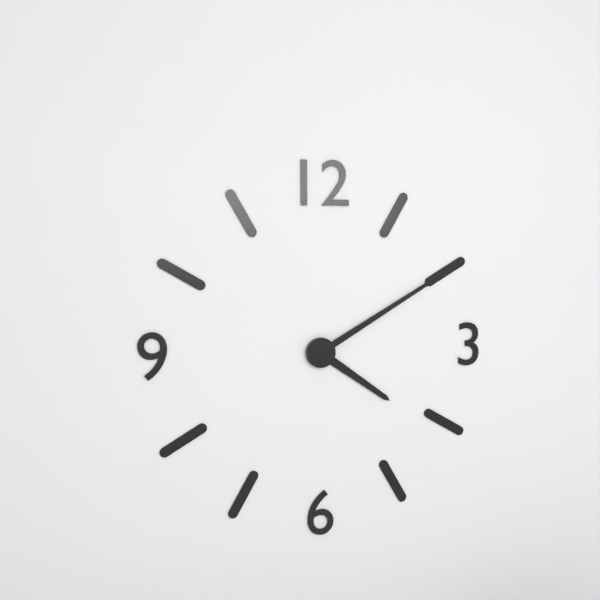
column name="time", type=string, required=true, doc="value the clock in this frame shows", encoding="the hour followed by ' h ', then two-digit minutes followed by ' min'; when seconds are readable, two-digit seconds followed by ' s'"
4 h 10 min
